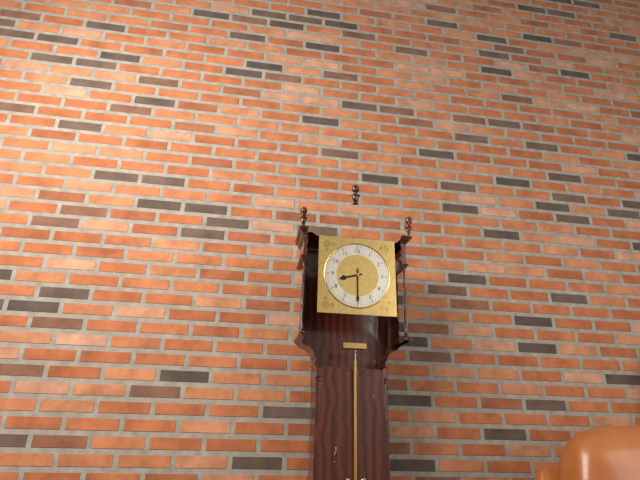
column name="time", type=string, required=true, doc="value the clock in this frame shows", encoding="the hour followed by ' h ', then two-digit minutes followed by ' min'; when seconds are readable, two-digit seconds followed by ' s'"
8 h 30 min
